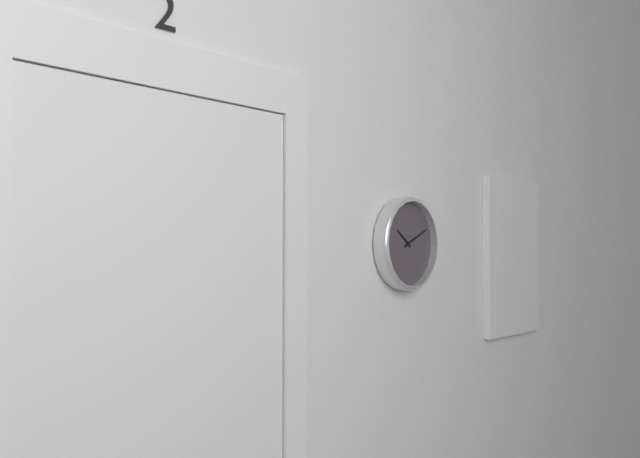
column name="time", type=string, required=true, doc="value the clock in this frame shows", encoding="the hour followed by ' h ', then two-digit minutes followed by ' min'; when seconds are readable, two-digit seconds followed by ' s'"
10 h 11 min
